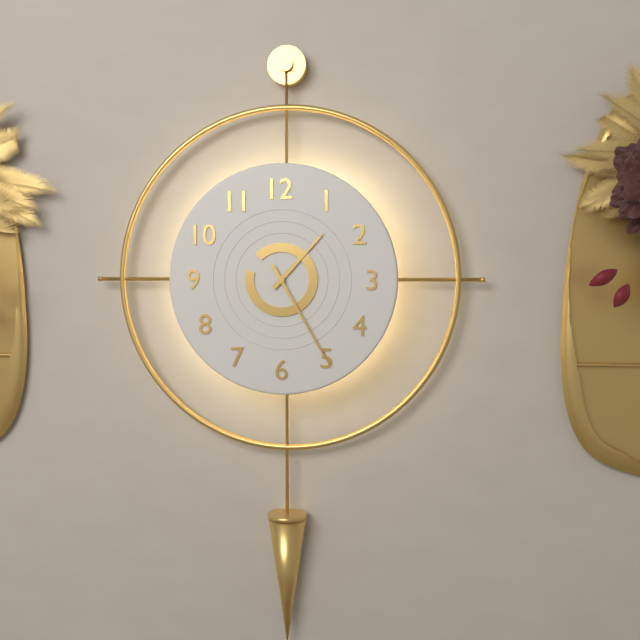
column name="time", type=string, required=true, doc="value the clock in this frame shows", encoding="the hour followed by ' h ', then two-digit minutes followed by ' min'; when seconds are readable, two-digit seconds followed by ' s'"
1 h 25 min
